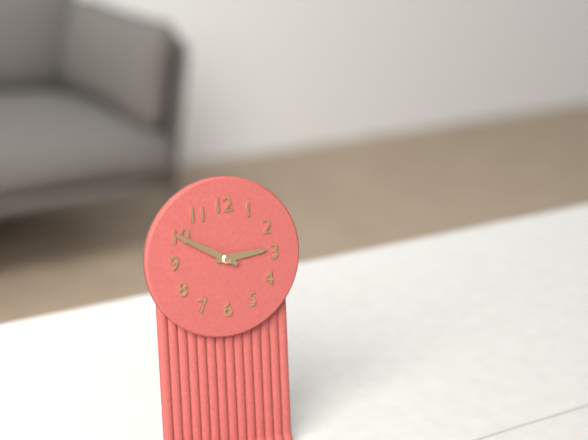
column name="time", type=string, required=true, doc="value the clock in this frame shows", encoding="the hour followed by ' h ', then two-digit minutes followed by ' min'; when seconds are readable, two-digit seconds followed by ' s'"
2 h 50 min
